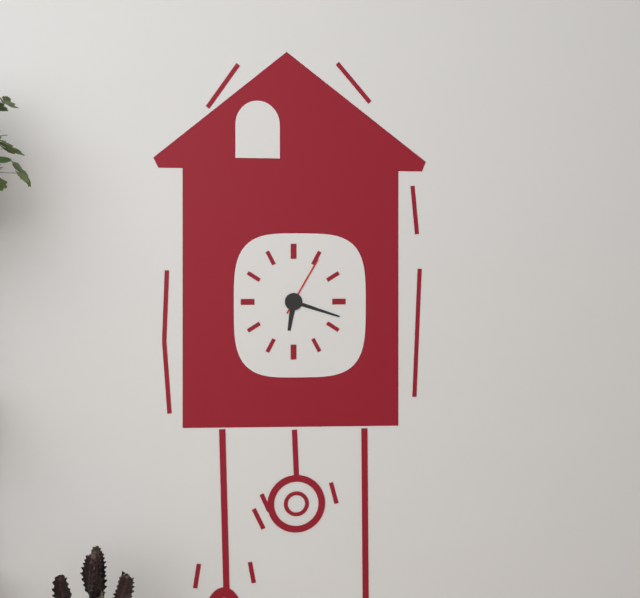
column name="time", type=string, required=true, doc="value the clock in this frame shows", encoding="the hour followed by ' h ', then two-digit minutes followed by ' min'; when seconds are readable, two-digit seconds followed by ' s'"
6 h 18 min 05 s
